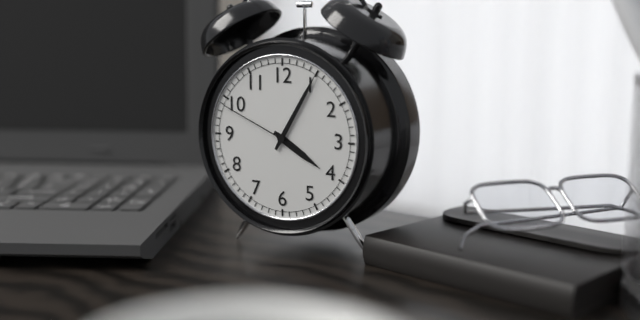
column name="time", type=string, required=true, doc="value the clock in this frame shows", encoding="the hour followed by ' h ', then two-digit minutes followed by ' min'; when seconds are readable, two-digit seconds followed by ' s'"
4 h 05 min 49 s
